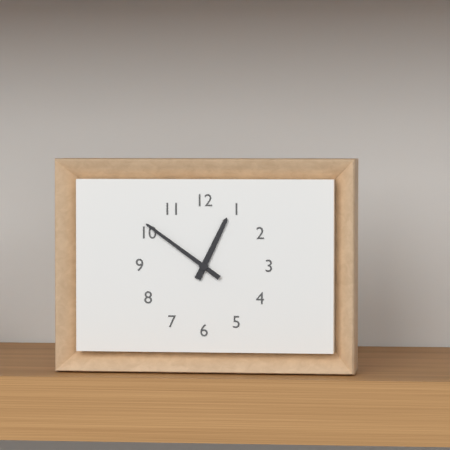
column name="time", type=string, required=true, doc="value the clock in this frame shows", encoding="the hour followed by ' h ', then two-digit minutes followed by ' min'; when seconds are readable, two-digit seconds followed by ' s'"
12 h 51 min
